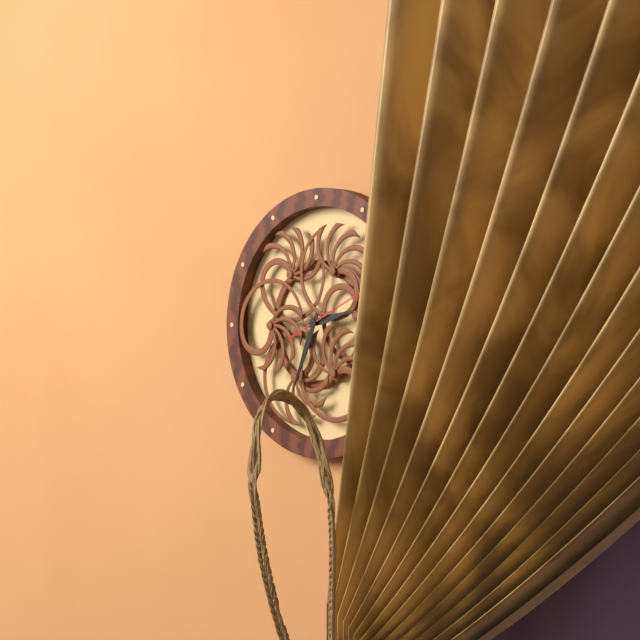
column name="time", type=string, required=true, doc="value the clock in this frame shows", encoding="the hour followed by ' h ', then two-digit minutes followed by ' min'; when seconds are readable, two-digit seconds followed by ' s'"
2 h 34 min 11 s
